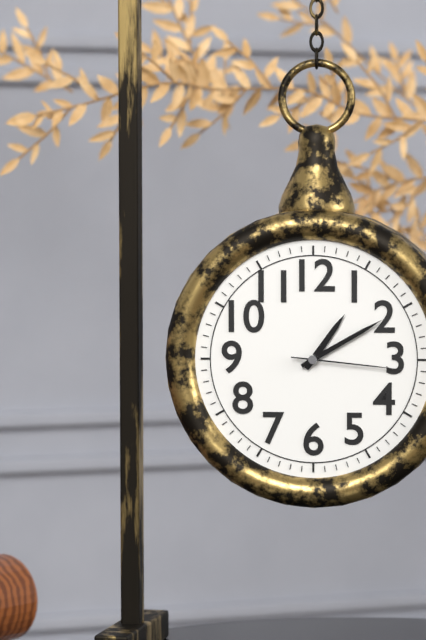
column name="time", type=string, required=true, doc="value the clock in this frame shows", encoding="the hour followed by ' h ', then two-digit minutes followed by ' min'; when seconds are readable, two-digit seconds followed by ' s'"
1 h 10 min 16 s
